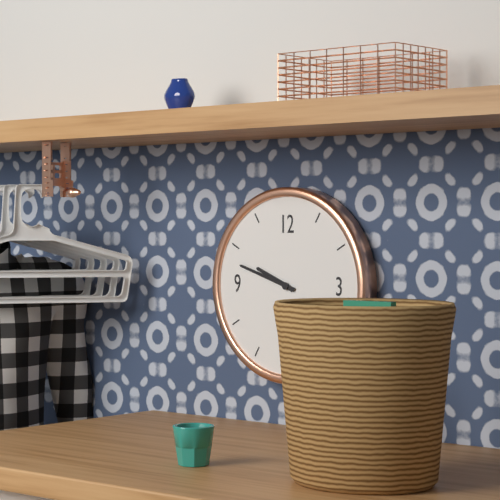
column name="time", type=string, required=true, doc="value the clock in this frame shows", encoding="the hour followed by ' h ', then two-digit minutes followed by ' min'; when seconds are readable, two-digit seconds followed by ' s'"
9 h 48 min
